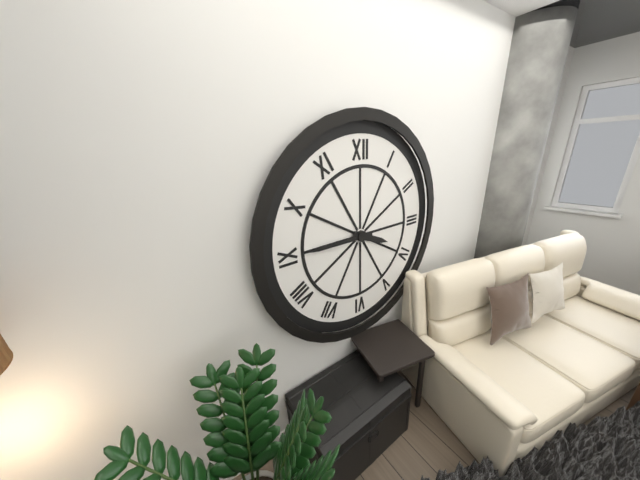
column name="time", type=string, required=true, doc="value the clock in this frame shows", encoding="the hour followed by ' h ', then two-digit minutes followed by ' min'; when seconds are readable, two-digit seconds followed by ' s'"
3 h 45 min
